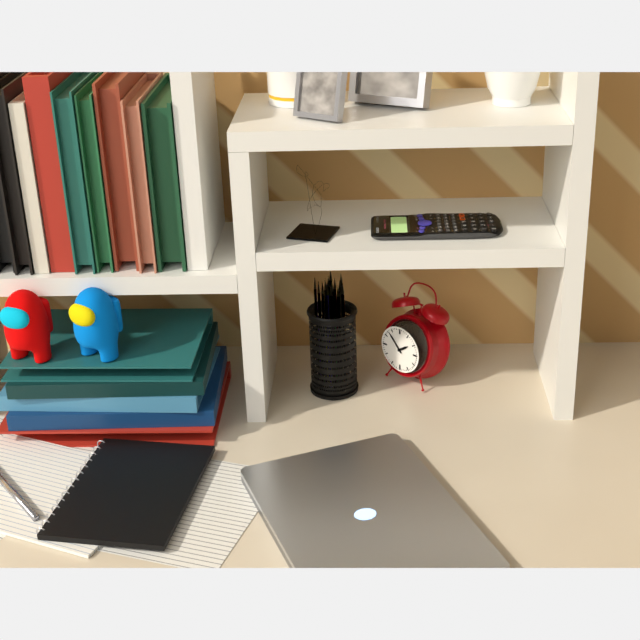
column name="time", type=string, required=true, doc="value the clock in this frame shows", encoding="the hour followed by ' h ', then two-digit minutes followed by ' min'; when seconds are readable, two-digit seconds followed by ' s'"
1 h 53 min
